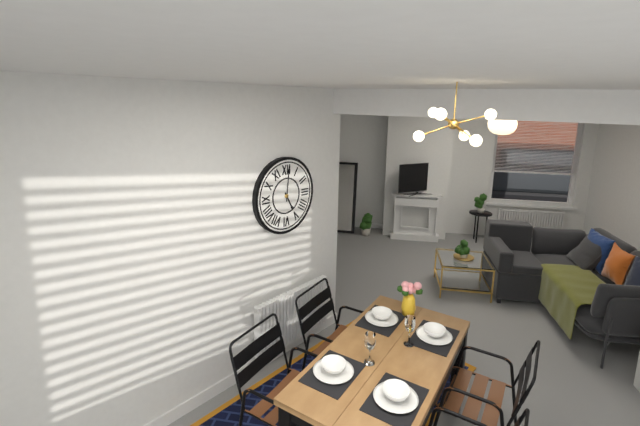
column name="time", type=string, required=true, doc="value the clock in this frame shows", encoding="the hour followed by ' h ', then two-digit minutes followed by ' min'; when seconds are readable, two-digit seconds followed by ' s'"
5 h 01 min
